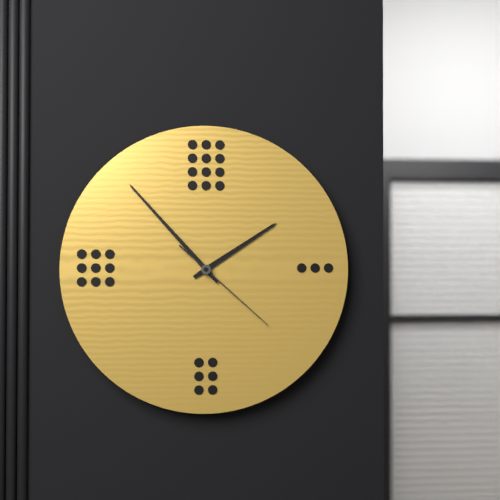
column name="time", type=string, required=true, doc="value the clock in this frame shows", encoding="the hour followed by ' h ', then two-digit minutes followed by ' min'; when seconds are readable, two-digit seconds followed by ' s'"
1 h 53 min 22 s
